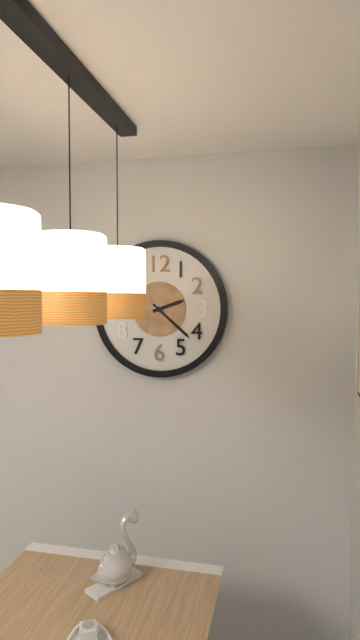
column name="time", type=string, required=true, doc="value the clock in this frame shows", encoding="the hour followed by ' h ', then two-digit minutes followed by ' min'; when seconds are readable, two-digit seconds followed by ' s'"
2 h 22 min
